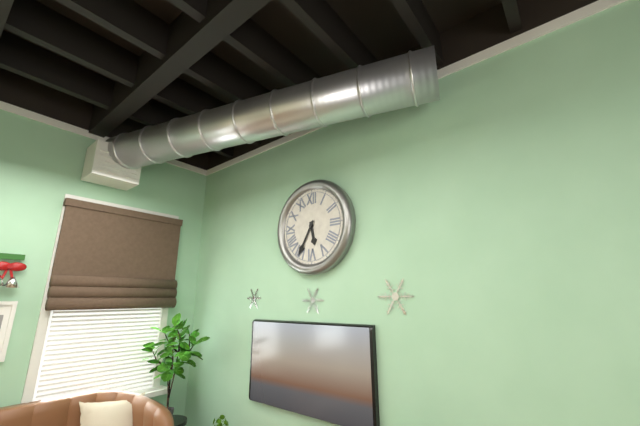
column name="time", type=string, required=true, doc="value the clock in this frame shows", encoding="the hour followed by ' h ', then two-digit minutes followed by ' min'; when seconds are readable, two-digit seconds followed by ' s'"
5 h 35 min
